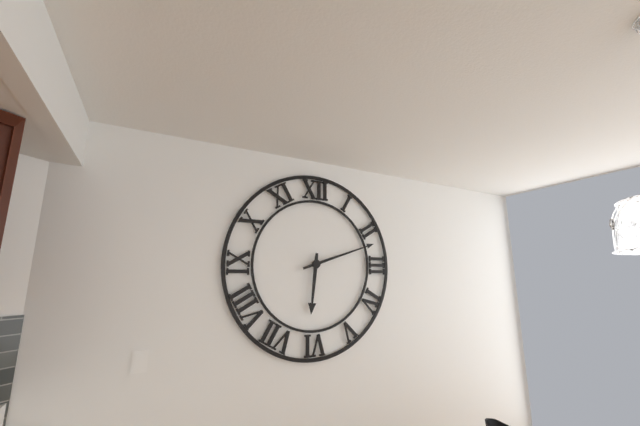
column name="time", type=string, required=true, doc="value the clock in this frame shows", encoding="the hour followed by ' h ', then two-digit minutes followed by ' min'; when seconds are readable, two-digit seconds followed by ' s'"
6 h 12 min
